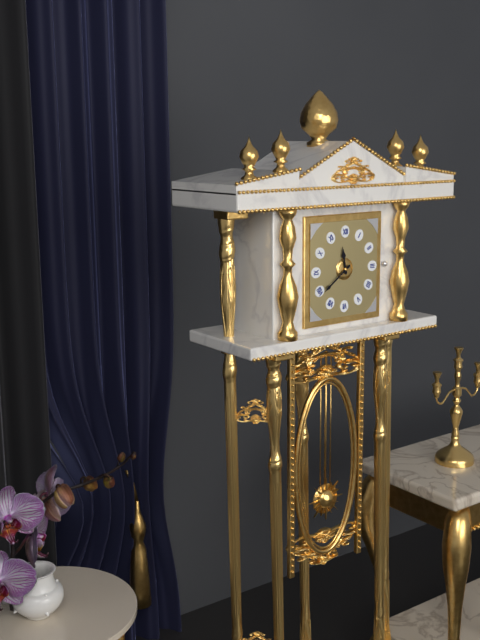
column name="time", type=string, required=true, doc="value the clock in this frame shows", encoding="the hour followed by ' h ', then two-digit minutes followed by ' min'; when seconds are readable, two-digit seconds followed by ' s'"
11 h 39 min
